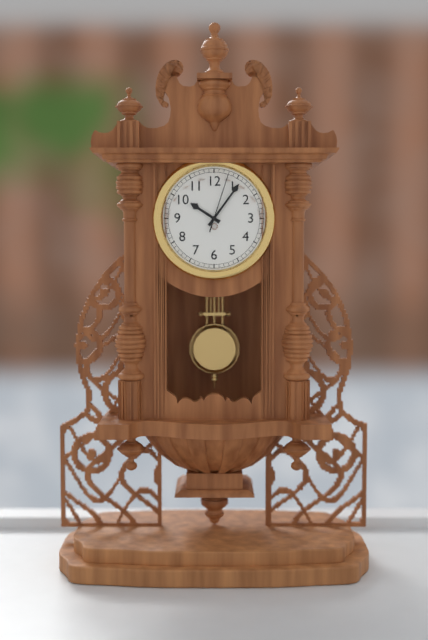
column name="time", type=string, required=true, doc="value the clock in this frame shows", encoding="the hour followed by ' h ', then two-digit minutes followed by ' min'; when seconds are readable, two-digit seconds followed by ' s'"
10 h 06 min 03 s
